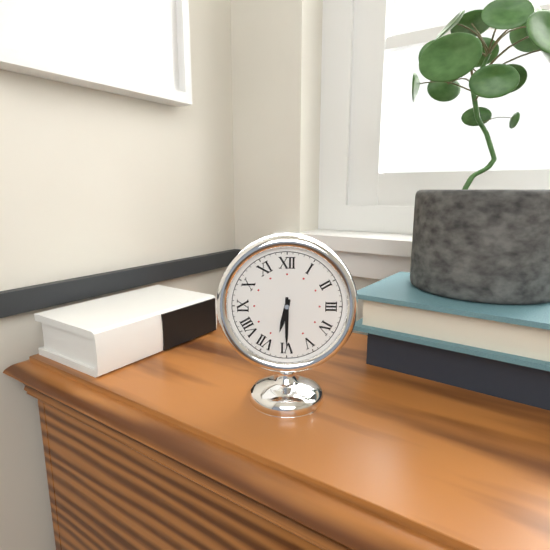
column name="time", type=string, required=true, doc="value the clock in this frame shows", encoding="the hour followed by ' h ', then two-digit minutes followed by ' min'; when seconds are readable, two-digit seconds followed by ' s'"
6 h 30 min
